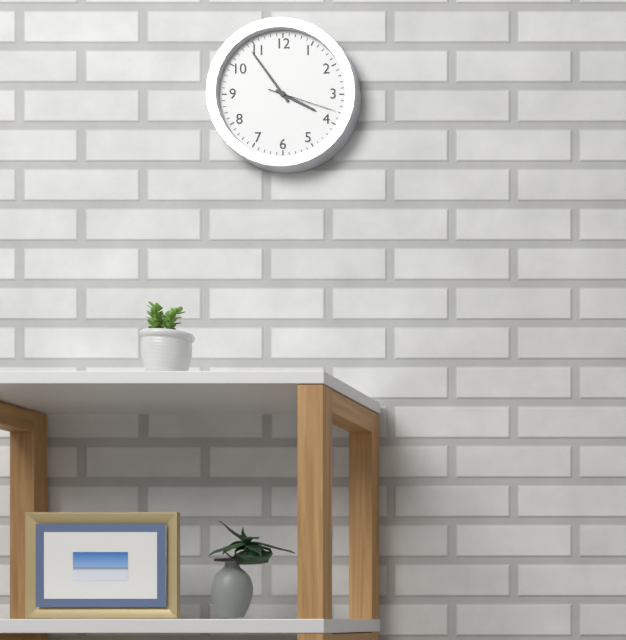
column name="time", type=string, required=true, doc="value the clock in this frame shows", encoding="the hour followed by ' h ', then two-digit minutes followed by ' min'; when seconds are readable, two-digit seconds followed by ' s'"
3 h 54 min 18 s
